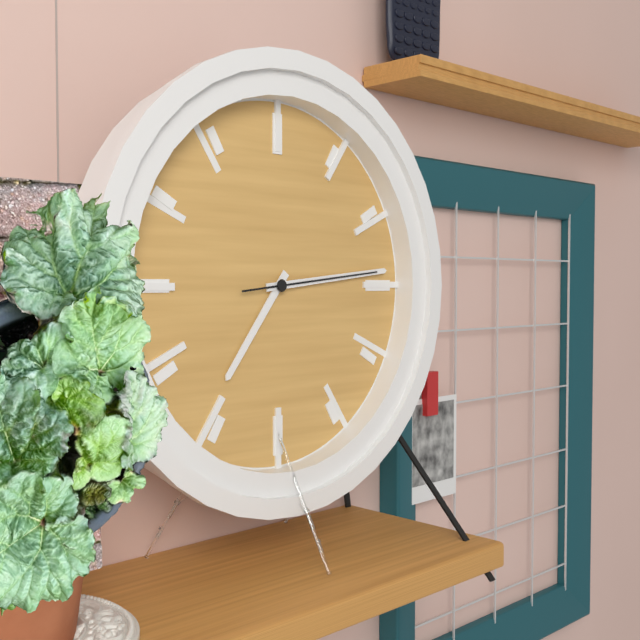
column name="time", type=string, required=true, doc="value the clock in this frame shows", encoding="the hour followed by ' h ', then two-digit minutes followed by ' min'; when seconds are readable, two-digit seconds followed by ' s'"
7 h 14 min 14 s
